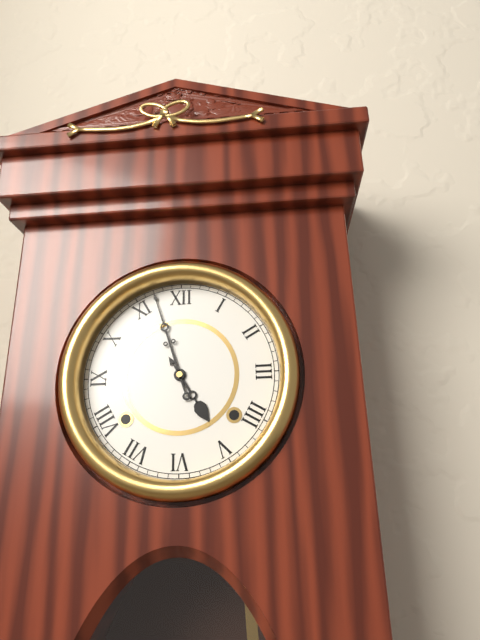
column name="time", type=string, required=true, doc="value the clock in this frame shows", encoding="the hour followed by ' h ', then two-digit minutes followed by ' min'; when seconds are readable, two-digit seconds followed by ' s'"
4 h 57 min
